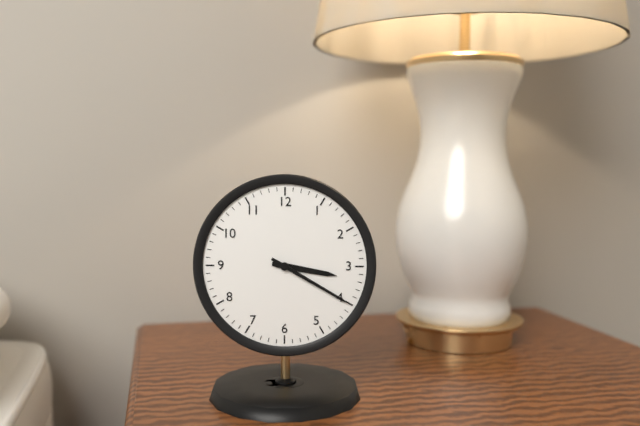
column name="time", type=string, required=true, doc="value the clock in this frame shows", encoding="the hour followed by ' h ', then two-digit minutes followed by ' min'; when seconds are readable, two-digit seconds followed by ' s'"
3 h 20 min
